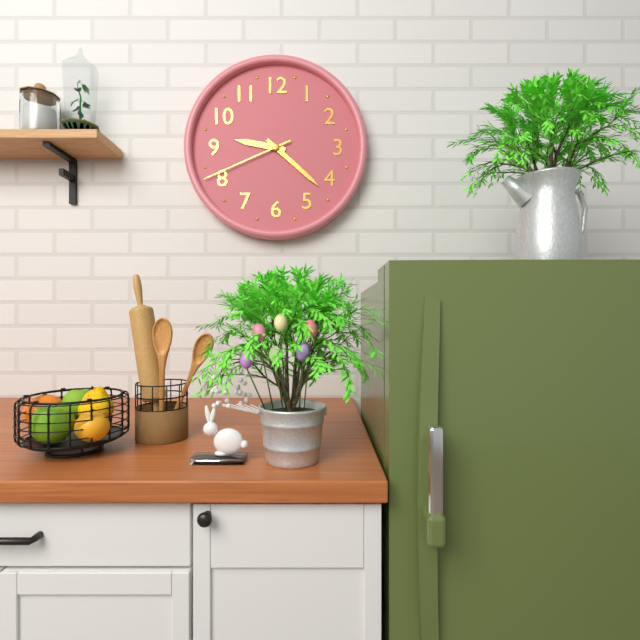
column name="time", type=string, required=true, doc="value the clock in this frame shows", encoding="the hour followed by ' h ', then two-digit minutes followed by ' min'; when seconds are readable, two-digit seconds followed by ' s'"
9 h 22 min 41 s
